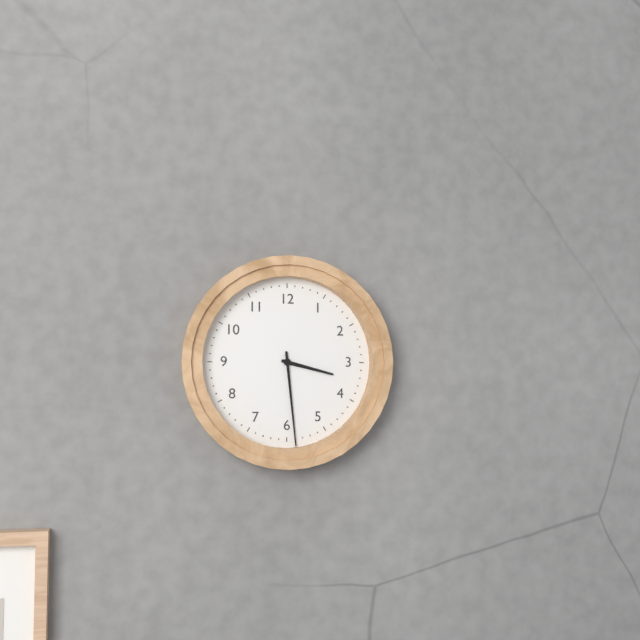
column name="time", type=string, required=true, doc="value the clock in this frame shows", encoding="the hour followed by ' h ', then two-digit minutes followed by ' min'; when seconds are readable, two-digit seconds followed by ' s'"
3 h 29 min
